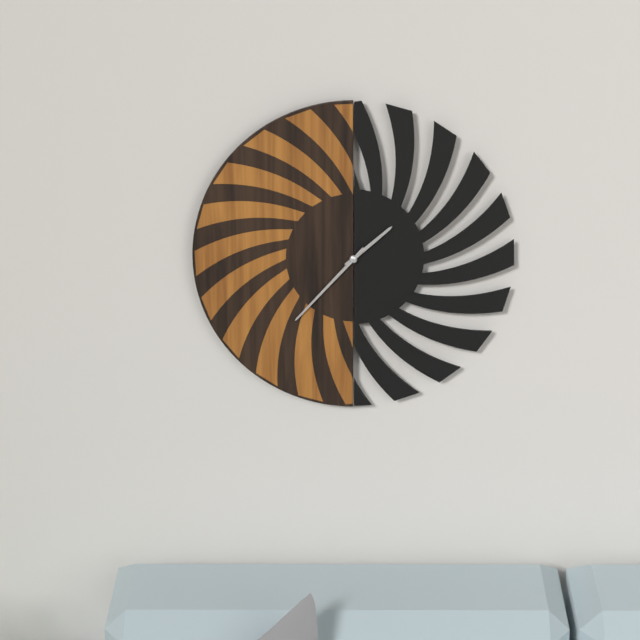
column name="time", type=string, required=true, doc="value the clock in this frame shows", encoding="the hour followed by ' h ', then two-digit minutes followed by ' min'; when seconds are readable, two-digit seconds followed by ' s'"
1 h 37 min
